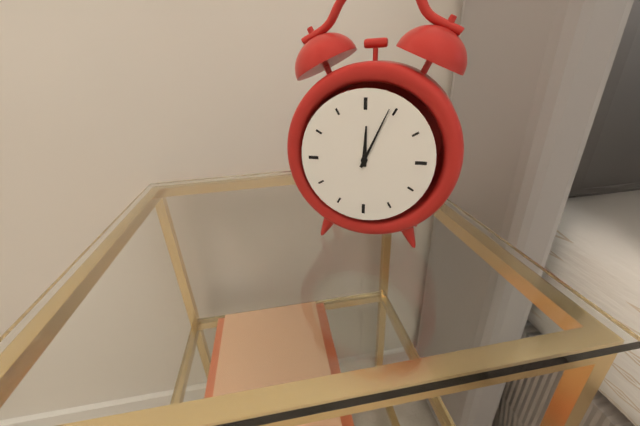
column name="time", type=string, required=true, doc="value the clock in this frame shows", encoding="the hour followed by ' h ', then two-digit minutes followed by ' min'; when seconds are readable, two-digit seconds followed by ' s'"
12 h 04 min
